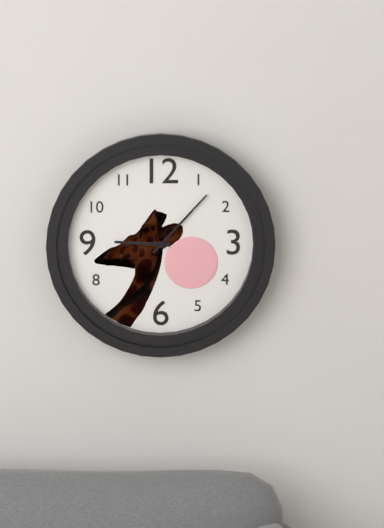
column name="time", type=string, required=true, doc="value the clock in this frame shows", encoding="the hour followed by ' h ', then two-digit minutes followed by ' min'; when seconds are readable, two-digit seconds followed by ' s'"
9 h 07 min
